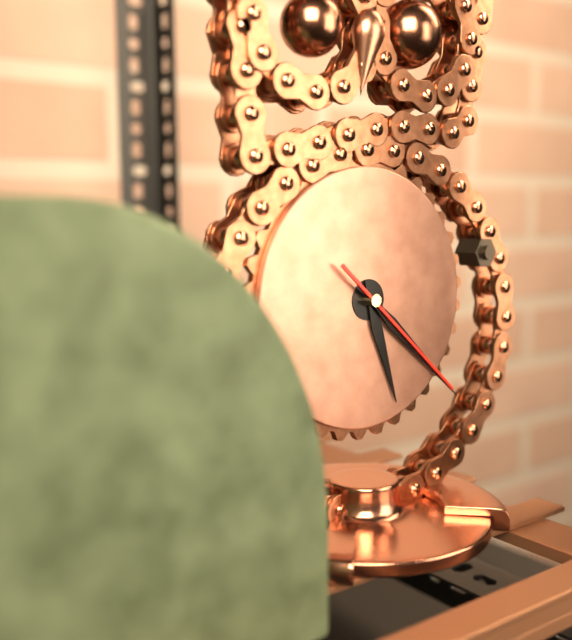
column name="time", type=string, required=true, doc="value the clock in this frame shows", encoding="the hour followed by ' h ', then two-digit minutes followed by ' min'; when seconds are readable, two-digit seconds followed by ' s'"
5 h 22 min 22 s
